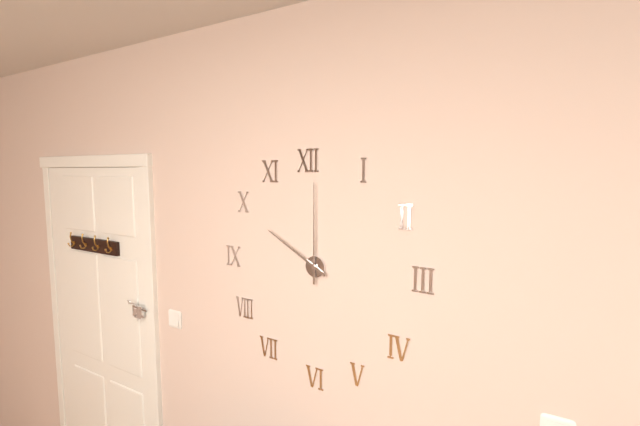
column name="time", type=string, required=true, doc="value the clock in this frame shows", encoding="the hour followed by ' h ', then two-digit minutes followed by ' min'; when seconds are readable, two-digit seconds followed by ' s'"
10 h 00 min
